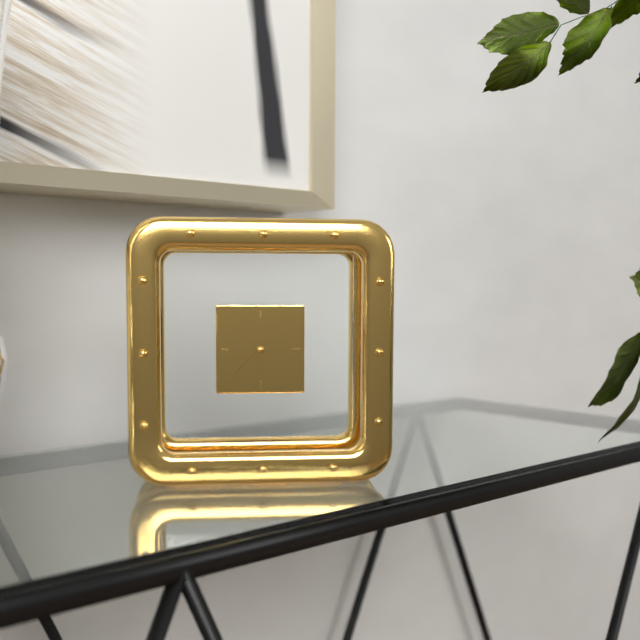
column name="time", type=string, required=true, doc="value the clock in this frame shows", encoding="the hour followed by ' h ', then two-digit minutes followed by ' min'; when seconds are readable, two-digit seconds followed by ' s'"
5 h 37 min
